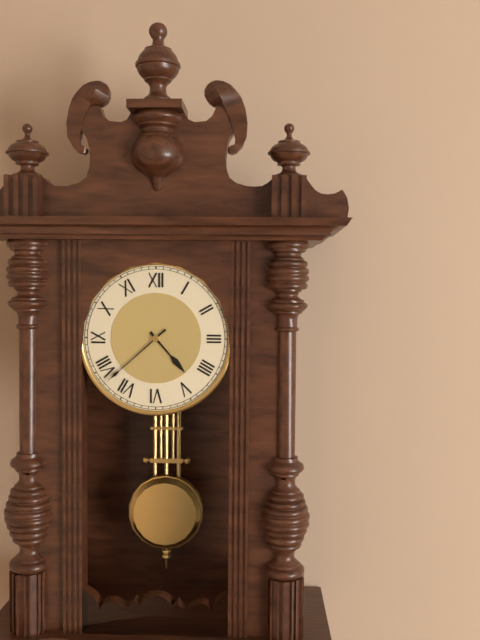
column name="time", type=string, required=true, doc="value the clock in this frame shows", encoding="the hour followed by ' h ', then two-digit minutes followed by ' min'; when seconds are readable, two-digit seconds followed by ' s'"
4 h 38 min
